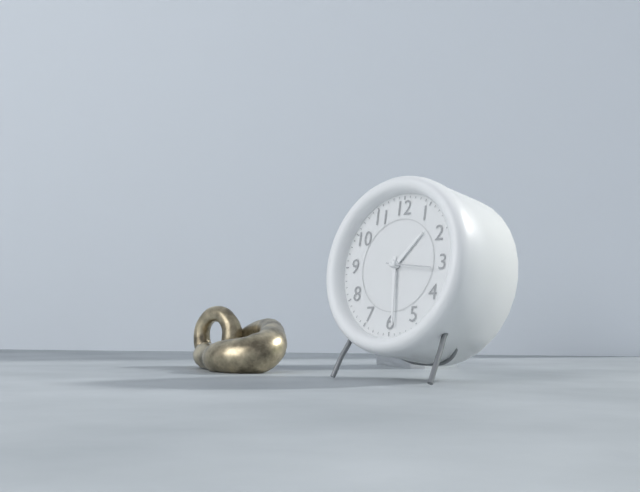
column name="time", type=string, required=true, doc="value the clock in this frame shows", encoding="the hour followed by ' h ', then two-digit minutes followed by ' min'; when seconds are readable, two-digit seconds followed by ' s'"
1 h 29 min
